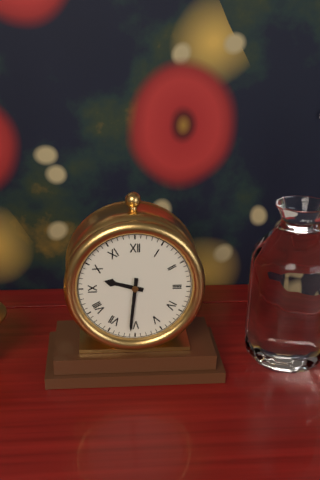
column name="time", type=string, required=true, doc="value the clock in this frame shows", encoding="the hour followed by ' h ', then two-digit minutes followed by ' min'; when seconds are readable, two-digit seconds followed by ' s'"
9 h 31 min
